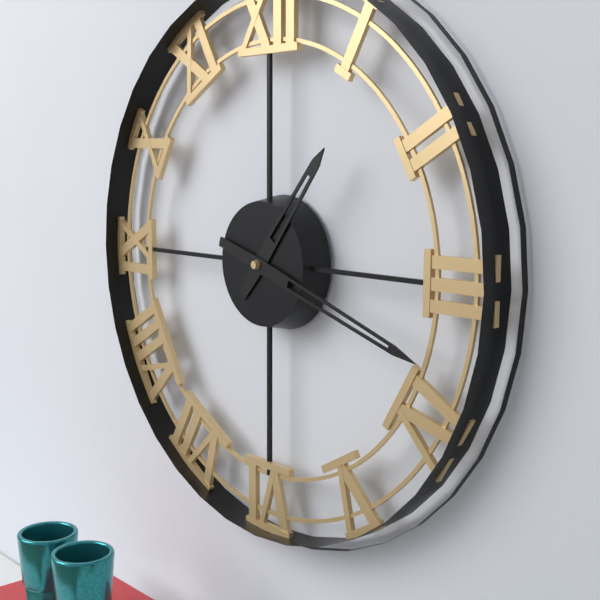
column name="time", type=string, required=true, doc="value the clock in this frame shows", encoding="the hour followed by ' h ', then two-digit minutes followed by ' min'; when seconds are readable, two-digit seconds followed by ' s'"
1 h 18 min
